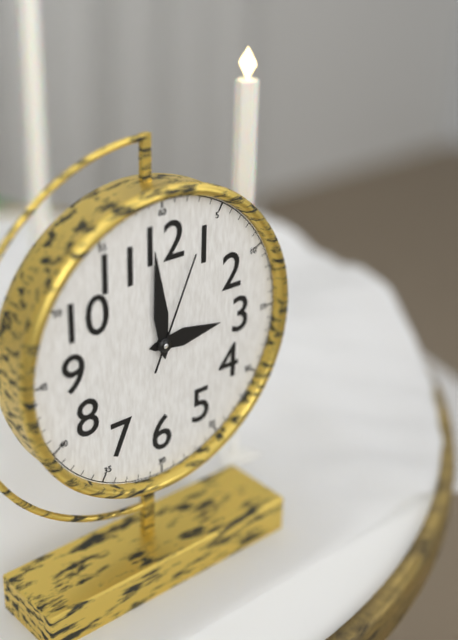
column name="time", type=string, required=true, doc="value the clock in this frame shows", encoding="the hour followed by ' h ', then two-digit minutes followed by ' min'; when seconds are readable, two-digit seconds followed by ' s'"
2 h 59 min 04 s
